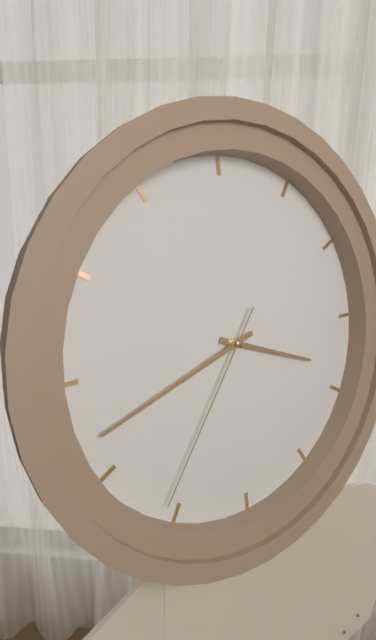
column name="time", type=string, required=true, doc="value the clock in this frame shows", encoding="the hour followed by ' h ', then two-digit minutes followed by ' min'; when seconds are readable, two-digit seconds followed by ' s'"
3 h 42 min 36 s
